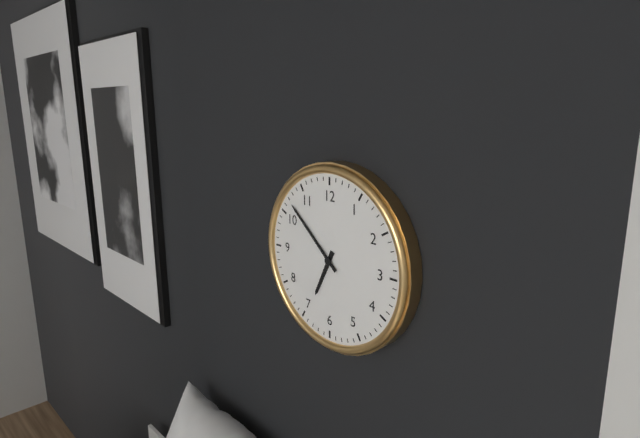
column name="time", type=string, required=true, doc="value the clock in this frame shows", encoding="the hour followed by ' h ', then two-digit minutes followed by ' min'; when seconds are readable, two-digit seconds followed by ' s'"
6 h 52 min
